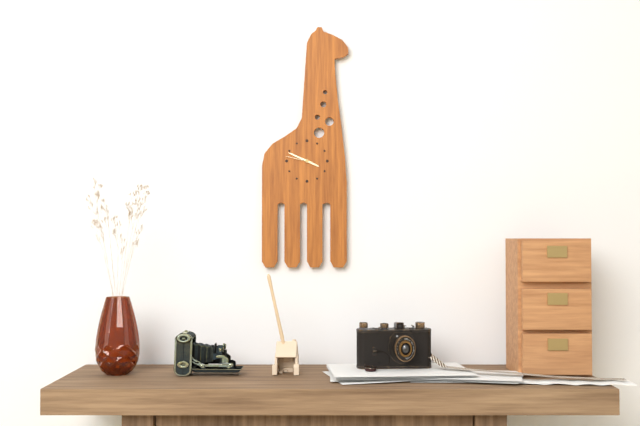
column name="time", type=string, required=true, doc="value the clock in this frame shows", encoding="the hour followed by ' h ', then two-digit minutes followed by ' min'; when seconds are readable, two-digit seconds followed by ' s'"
3 h 49 min
